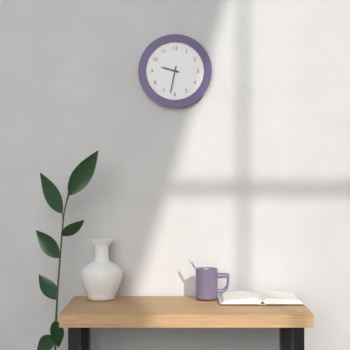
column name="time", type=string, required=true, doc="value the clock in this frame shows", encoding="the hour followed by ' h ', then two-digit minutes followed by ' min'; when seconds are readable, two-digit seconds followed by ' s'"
9 h 32 min
